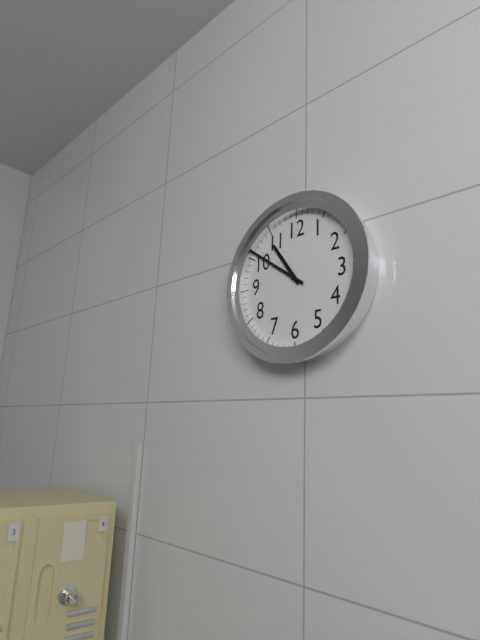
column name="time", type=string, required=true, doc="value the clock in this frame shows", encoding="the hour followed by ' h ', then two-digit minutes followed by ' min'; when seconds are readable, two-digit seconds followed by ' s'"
10 h 51 min
